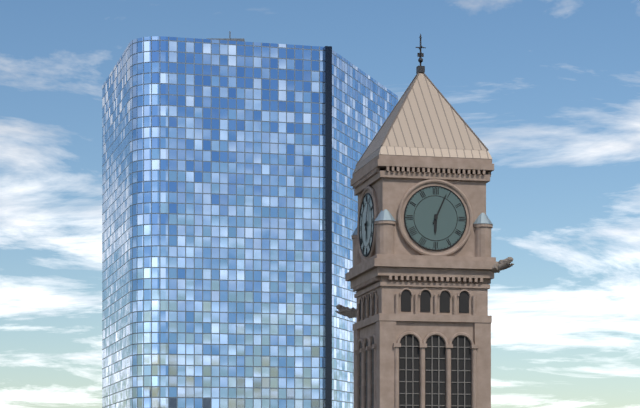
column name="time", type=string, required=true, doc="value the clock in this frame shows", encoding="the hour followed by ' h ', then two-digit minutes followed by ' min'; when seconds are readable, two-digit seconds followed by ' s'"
6 h 04 min
